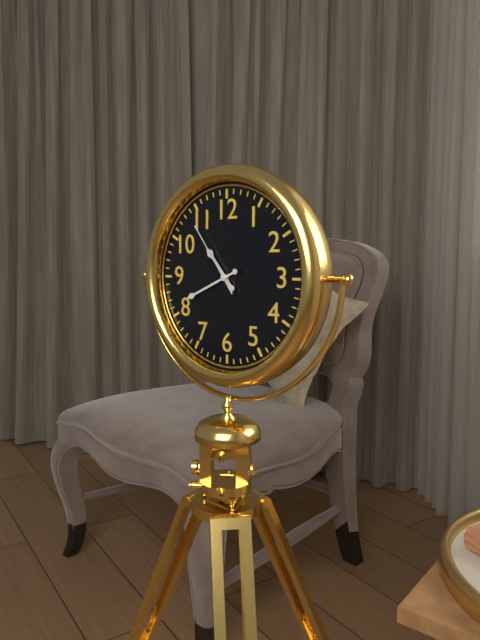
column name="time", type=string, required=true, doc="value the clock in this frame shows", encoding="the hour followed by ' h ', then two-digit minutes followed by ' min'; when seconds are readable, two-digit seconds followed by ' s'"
10 h 41 min 54 s
